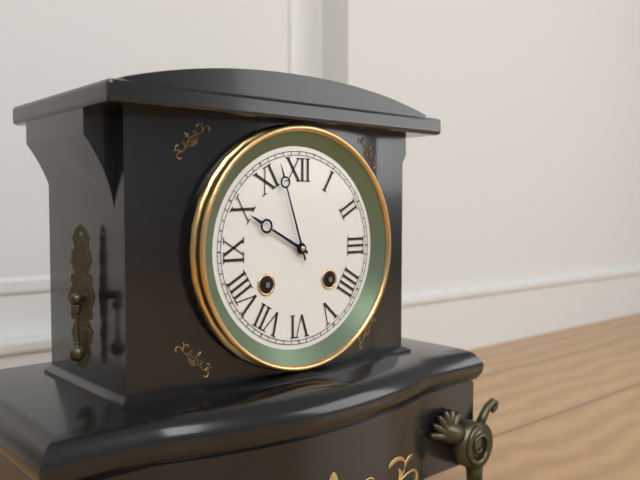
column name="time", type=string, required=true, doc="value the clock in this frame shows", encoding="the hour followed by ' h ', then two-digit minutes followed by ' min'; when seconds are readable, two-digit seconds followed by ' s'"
9 h 57 min
